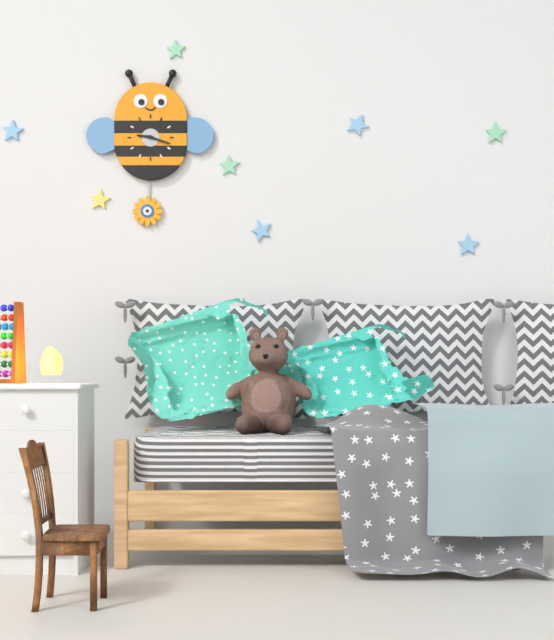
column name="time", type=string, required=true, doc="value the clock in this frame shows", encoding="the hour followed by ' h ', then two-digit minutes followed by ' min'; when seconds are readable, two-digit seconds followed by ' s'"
9 h 18 min
